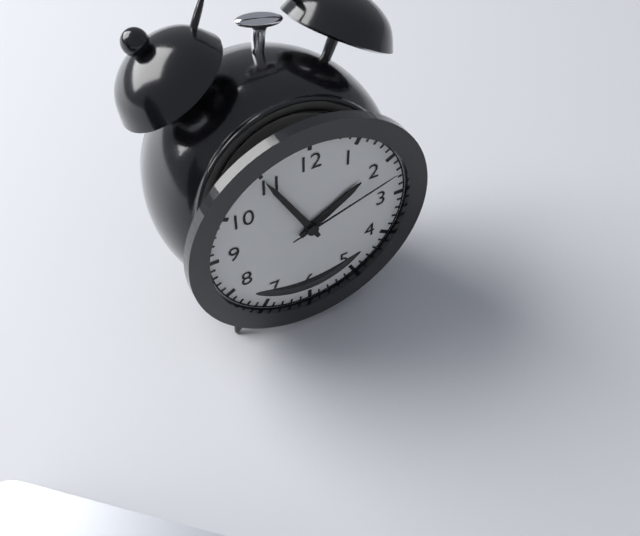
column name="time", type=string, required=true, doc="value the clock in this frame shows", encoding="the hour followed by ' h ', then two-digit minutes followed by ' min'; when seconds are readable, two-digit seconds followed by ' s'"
1 h 55 min 12 s
